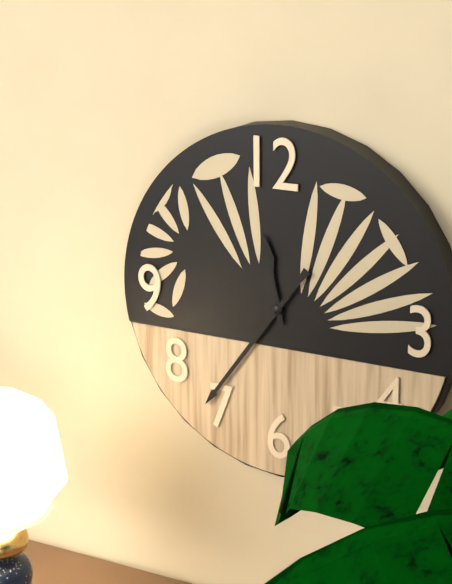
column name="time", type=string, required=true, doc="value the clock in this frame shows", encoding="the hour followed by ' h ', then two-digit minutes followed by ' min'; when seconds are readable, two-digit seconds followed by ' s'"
11 h 36 min
